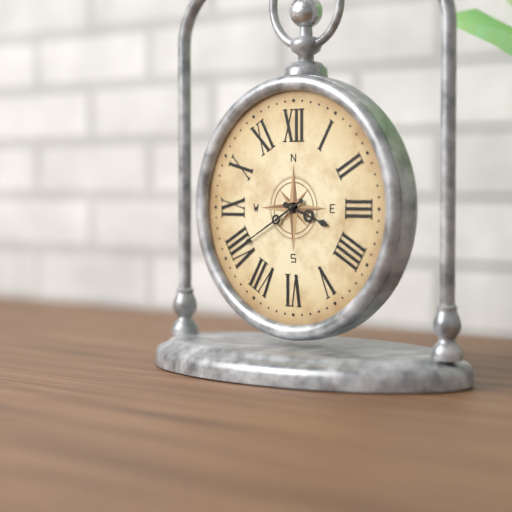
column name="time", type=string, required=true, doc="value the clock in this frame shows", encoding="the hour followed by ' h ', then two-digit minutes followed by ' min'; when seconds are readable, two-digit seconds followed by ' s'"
3 h 40 min
